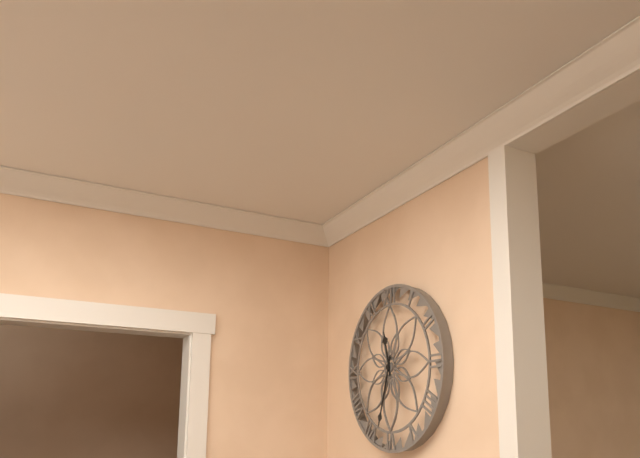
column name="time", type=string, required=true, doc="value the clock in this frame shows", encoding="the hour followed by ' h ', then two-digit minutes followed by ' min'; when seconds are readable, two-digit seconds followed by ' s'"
11 h 33 min
